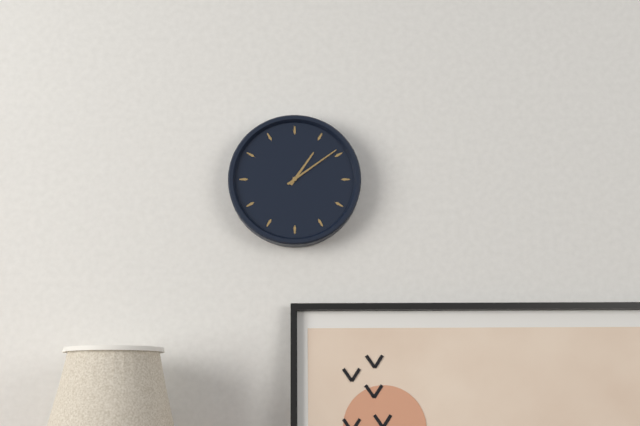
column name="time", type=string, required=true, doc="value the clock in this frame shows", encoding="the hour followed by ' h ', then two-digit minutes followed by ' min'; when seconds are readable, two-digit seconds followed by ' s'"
1 h 09 min
